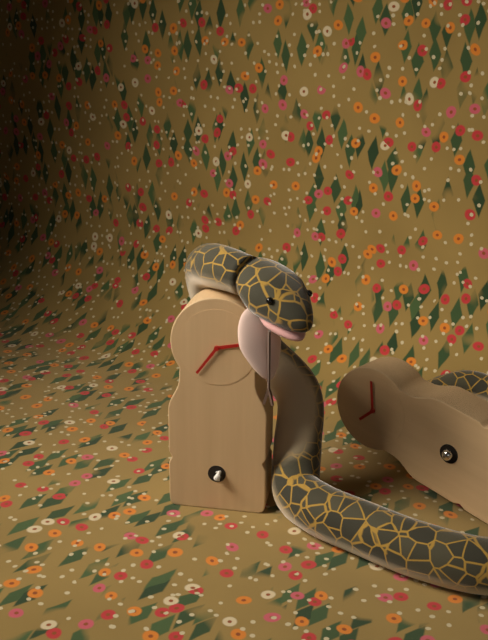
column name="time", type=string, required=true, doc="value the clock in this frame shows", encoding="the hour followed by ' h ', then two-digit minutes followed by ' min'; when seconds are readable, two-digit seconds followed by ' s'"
2 h 36 min
